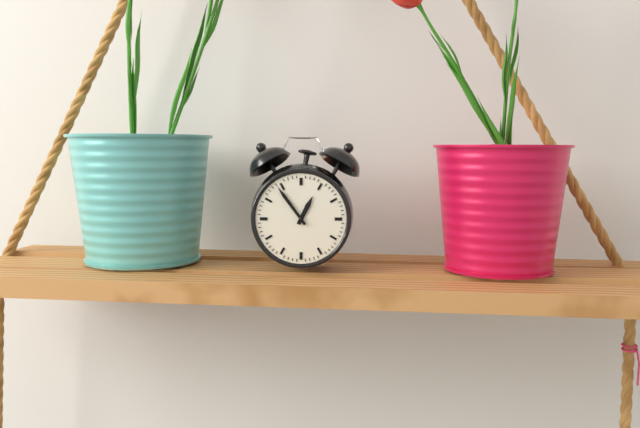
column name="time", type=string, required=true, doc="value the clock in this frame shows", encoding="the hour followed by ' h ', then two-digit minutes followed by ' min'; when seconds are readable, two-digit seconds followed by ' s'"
12 h 54 min
